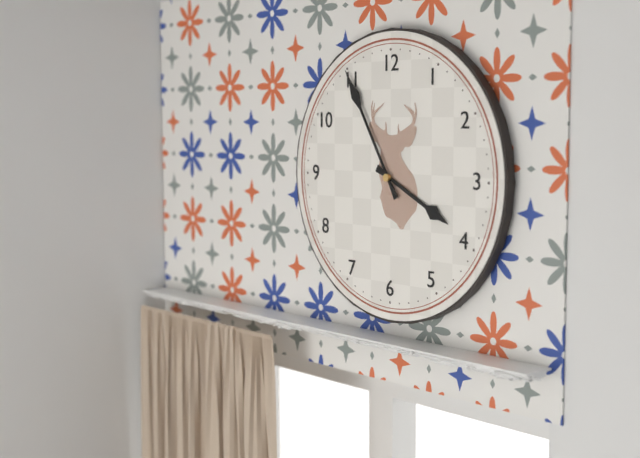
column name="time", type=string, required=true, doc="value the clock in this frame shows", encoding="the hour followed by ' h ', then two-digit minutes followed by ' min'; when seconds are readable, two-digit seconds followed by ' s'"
3 h 55 min
